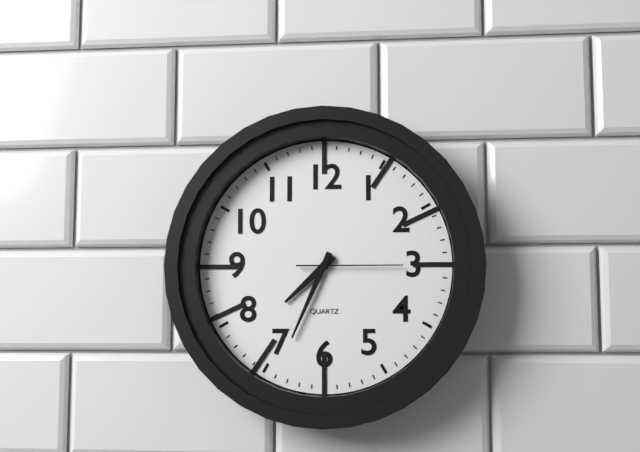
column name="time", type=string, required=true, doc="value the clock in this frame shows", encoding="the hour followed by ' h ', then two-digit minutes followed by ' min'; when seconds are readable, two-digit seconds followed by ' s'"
7 h 34 min 15 s
